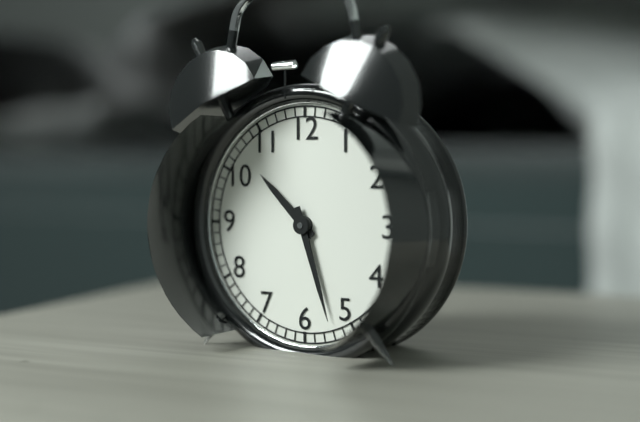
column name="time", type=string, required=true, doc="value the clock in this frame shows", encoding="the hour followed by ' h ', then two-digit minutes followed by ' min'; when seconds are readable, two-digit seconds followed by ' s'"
10 h 27 min
